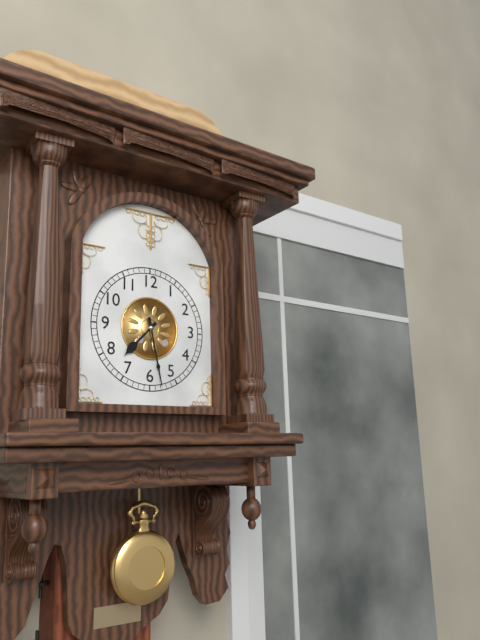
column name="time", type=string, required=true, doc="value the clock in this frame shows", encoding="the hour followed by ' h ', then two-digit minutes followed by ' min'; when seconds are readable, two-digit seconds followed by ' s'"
7 h 28 min
